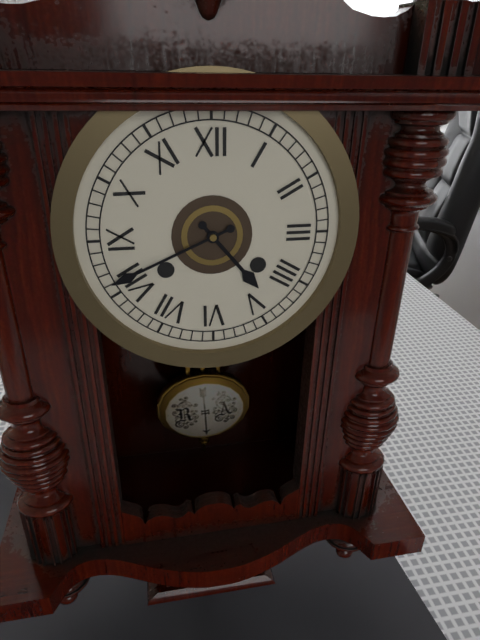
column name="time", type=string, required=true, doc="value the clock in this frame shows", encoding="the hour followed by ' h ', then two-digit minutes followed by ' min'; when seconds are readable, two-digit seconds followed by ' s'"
4 h 41 min
